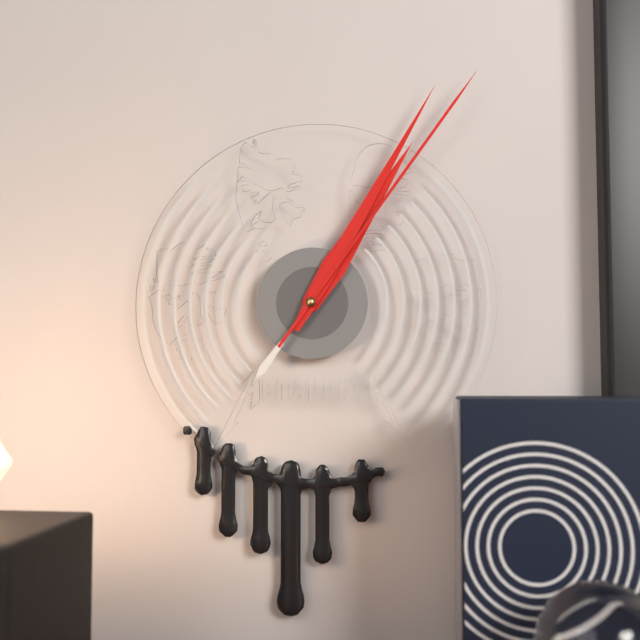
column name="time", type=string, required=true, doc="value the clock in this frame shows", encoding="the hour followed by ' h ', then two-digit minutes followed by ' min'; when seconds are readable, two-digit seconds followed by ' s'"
1 h 05 min 06 s
